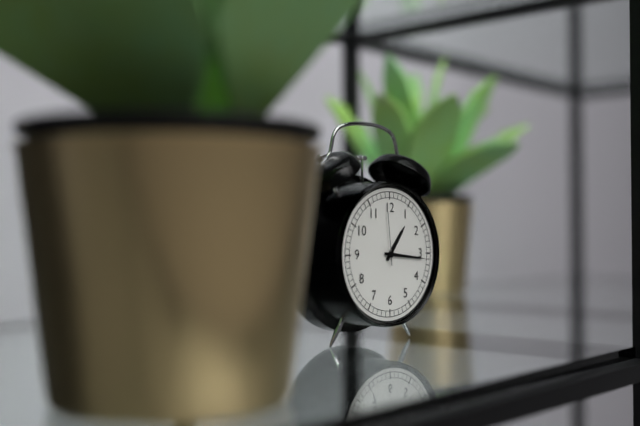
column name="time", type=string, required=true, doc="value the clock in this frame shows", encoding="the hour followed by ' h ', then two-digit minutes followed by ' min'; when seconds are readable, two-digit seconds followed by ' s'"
1 h 16 min 59 s
